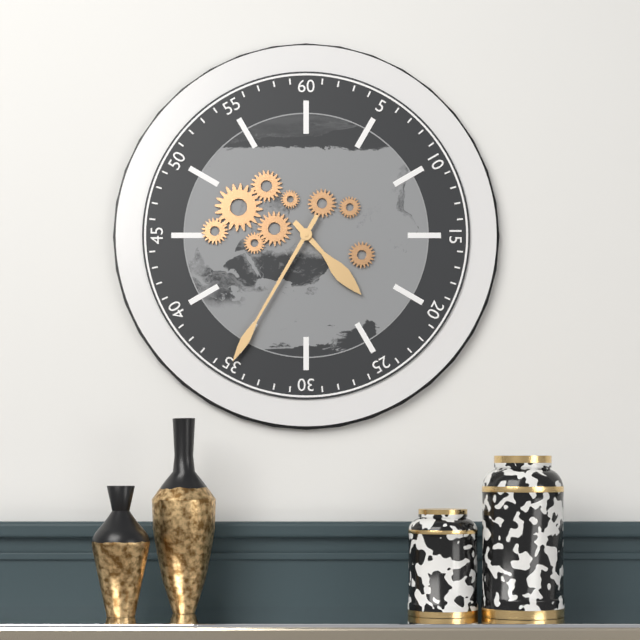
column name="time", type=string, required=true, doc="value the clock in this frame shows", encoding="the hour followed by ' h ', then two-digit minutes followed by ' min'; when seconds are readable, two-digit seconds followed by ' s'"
4 h 35 min
